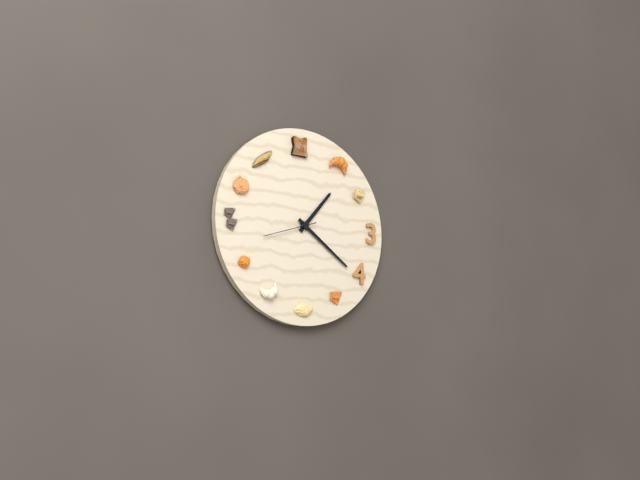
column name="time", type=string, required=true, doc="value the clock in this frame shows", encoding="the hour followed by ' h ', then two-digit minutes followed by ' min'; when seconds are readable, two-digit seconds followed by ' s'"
1 h 21 min 42 s
